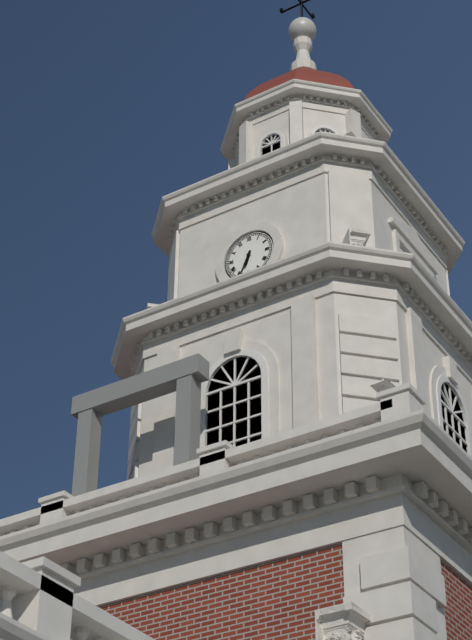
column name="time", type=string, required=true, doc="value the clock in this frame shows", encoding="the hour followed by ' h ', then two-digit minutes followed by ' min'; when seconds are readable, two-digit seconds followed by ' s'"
6 h 34 min
